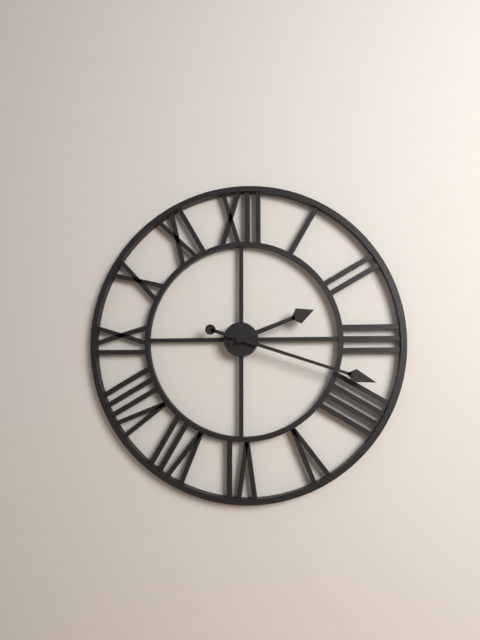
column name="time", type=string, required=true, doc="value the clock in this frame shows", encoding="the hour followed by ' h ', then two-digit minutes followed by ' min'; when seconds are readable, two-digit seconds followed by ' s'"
2 h 18 min
